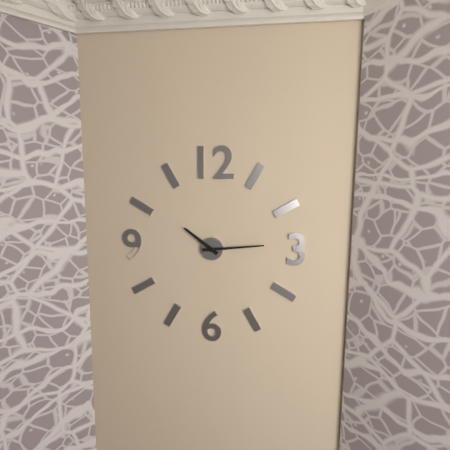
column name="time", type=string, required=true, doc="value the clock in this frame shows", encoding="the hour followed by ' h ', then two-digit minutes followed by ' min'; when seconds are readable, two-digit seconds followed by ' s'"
10 h 14 min
